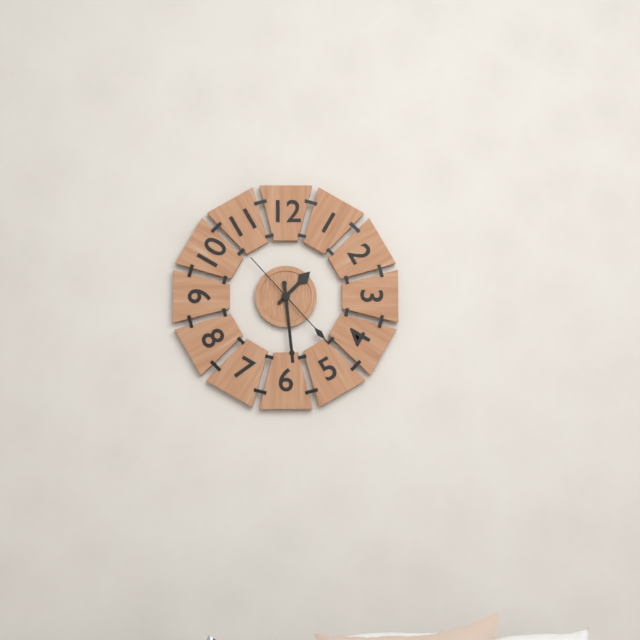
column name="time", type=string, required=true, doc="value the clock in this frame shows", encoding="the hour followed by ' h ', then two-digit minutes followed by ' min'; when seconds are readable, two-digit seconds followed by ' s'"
1 h 29 min 23 s
